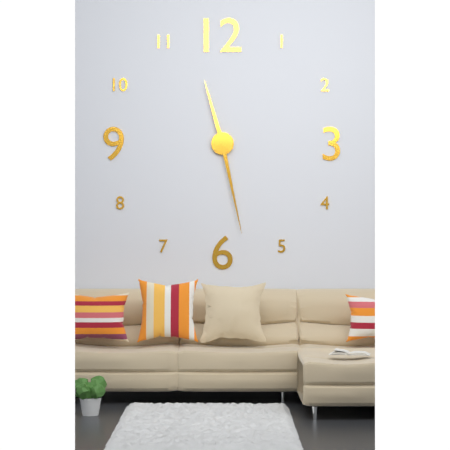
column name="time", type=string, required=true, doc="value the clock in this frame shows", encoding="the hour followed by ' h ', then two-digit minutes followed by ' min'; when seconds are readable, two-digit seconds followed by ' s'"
11 h 28 min
